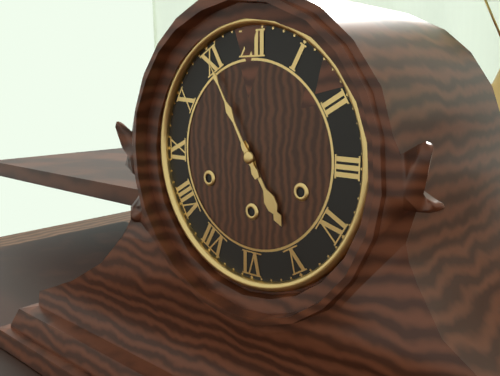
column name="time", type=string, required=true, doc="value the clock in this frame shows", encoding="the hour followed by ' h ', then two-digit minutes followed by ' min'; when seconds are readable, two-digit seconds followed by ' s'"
4 h 55 min
